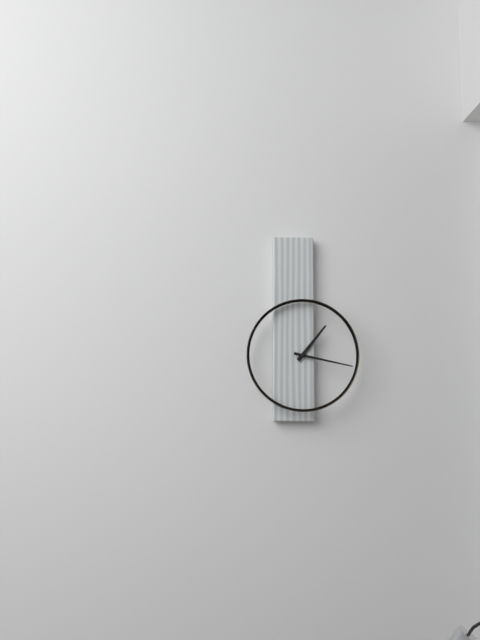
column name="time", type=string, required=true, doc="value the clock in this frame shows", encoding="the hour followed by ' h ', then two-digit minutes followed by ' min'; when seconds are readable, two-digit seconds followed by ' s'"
1 h 17 min
